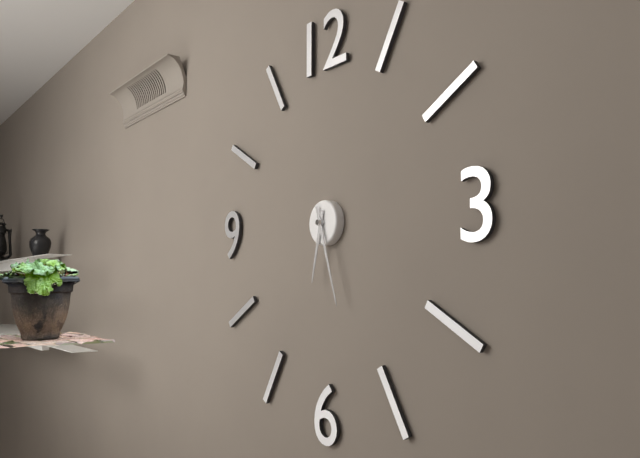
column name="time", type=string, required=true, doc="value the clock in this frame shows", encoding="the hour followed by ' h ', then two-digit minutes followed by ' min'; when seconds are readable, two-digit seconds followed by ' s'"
6 h 27 min
